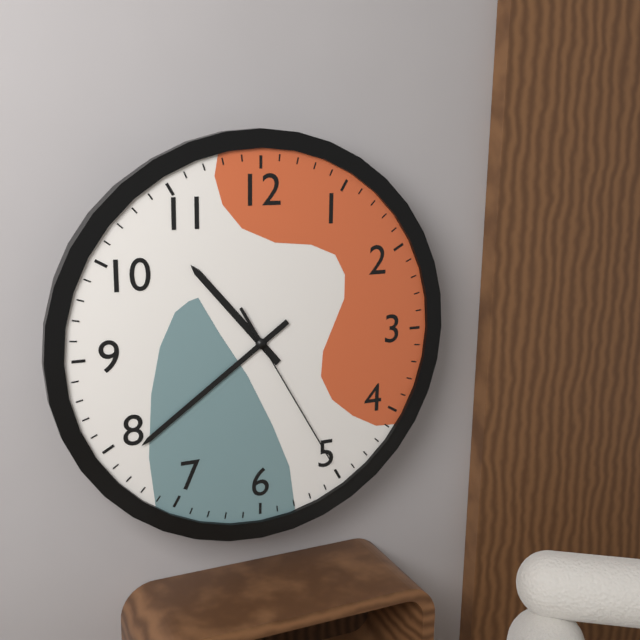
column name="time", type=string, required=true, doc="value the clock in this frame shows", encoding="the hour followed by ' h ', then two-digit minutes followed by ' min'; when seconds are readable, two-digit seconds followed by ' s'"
10 h 39 min 25 s
